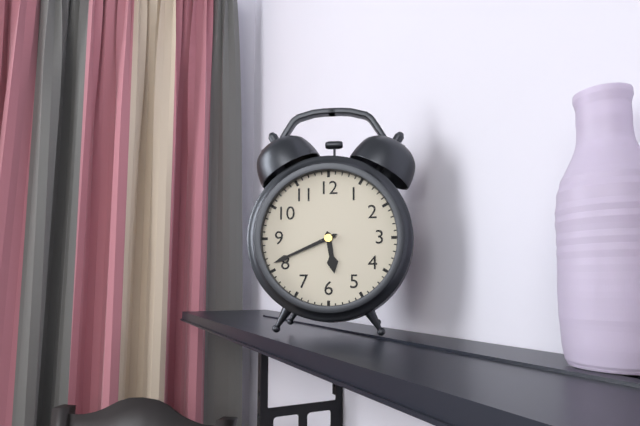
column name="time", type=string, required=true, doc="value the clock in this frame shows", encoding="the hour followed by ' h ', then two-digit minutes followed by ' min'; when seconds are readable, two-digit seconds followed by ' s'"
5 h 41 min
